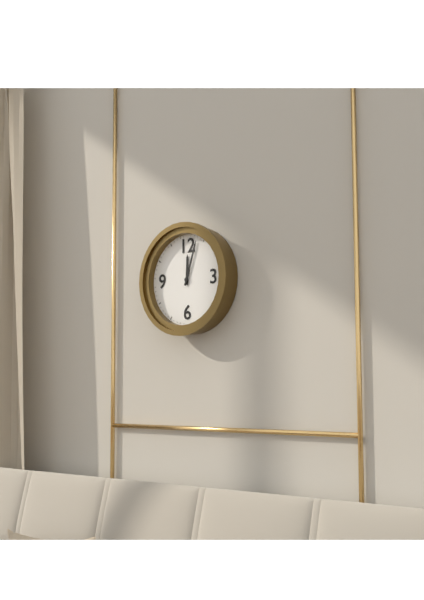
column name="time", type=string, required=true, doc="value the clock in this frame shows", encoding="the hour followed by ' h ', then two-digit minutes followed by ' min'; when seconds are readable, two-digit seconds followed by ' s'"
12 h 03 min
